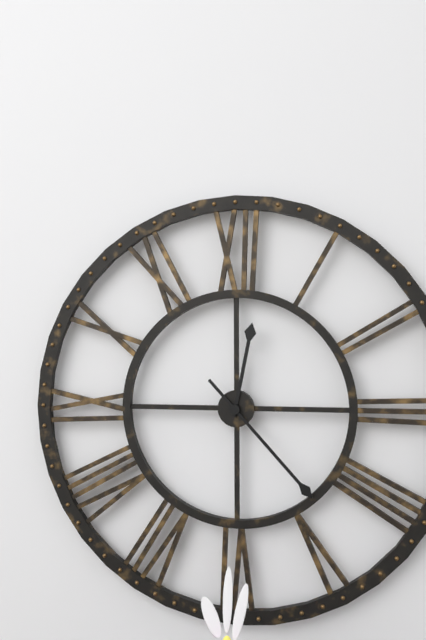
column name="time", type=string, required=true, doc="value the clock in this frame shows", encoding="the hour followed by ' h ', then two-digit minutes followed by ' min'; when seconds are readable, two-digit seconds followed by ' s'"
12 h 23 min
